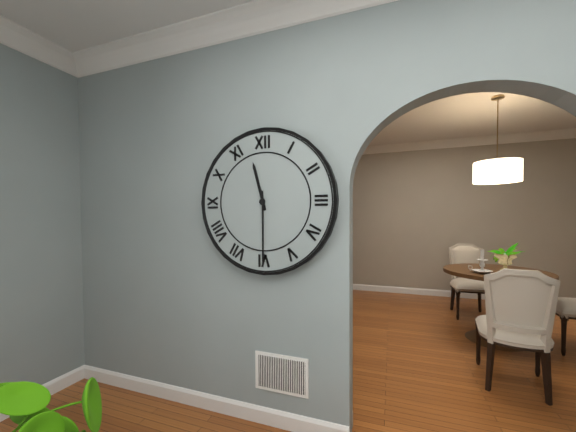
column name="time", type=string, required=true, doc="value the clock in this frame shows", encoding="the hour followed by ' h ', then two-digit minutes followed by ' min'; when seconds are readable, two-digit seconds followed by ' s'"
11 h 30 min
